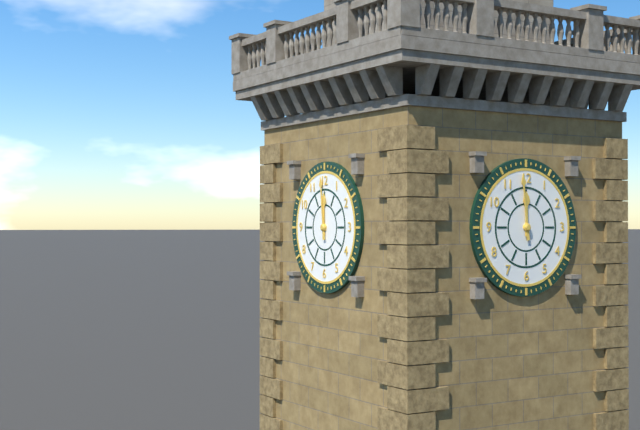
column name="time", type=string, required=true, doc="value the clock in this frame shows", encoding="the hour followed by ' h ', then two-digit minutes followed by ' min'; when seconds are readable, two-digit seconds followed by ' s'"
11 h 59 min
